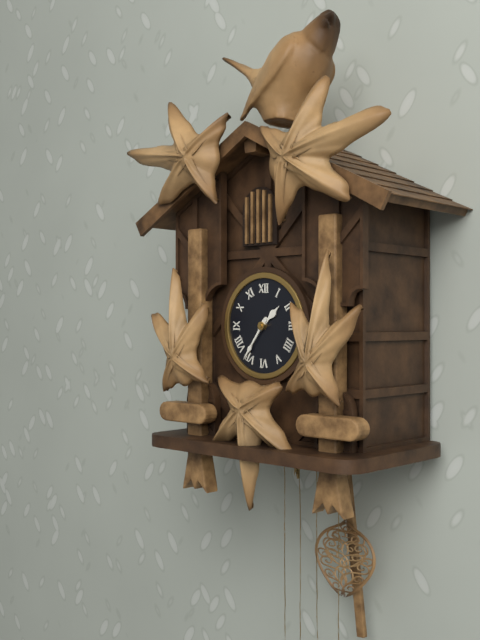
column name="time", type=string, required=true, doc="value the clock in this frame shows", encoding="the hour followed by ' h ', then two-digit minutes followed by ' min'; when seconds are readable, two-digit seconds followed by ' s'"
1 h 36 min
